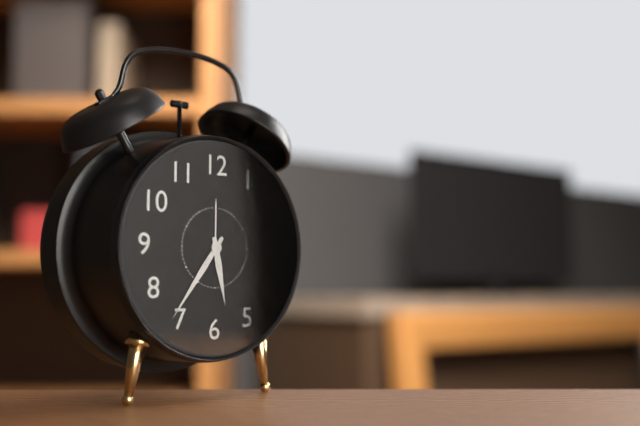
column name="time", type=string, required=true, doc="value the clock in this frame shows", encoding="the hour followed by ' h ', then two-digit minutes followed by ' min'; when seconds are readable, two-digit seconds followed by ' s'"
5 h 36 min
